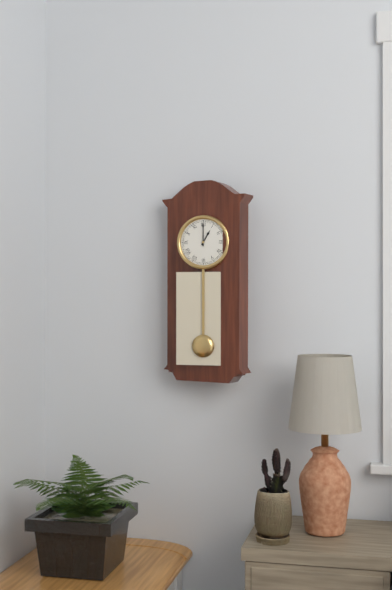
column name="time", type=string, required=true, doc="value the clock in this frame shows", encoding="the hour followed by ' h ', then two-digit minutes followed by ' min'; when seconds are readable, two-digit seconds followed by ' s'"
1 h 00 min
